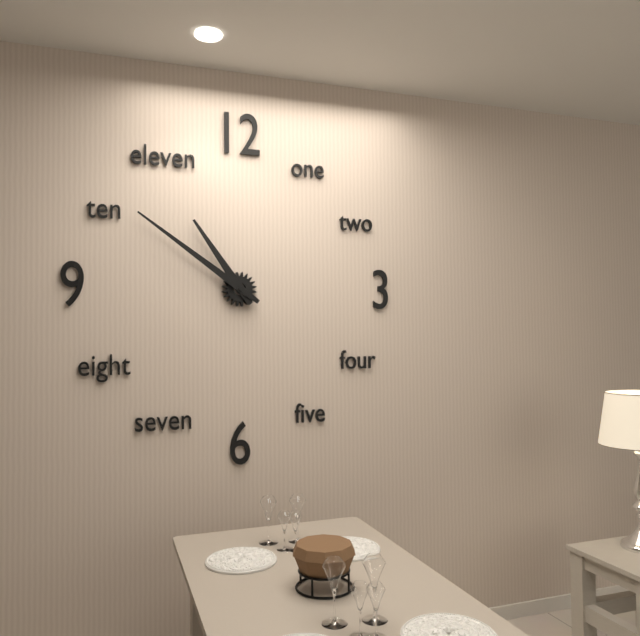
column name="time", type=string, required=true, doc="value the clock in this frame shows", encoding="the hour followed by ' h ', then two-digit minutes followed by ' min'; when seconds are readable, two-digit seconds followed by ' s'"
10 h 51 min
